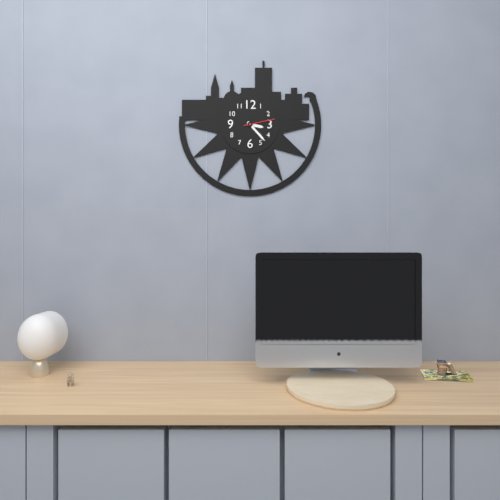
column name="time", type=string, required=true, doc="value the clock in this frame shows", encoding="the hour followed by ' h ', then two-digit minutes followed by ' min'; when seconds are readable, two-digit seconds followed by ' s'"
3 h 23 min
